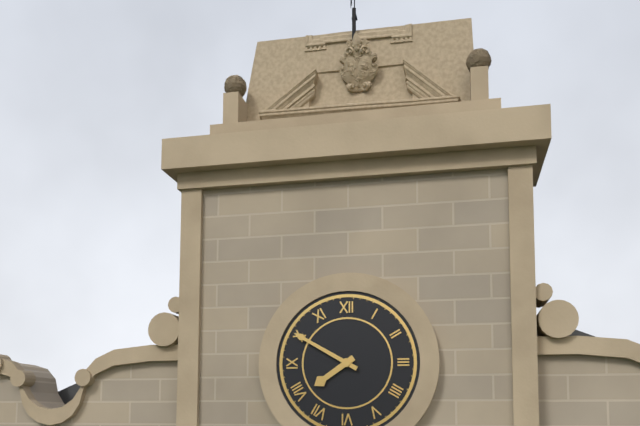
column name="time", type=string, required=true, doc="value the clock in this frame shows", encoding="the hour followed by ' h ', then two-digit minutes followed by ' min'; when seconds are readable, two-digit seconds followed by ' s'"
7 h 50 min
